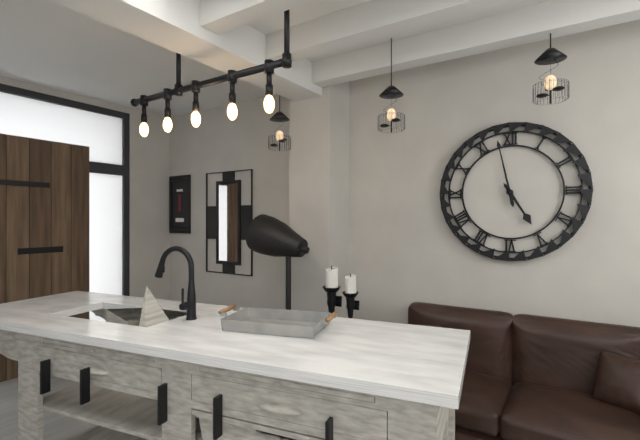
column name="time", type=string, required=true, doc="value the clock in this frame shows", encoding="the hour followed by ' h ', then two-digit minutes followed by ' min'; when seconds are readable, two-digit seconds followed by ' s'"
4 h 58 min
